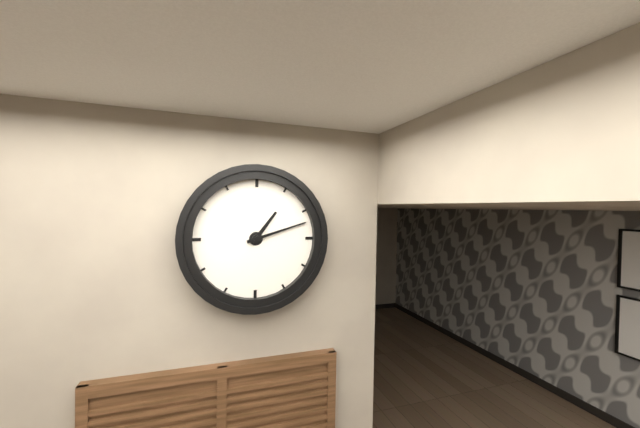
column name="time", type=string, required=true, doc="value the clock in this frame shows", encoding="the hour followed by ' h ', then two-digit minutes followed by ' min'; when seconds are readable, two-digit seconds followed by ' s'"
1 h 12 min
